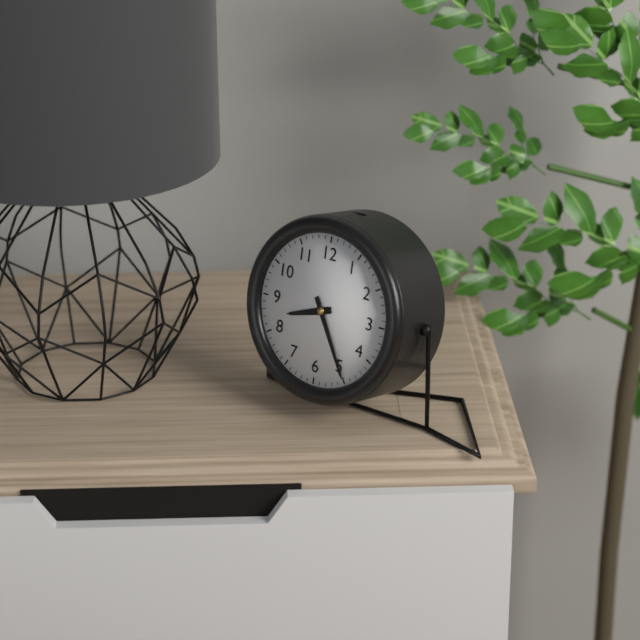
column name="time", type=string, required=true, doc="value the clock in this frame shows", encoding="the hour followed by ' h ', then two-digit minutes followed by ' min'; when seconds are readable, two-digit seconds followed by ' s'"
8 h 25 min
